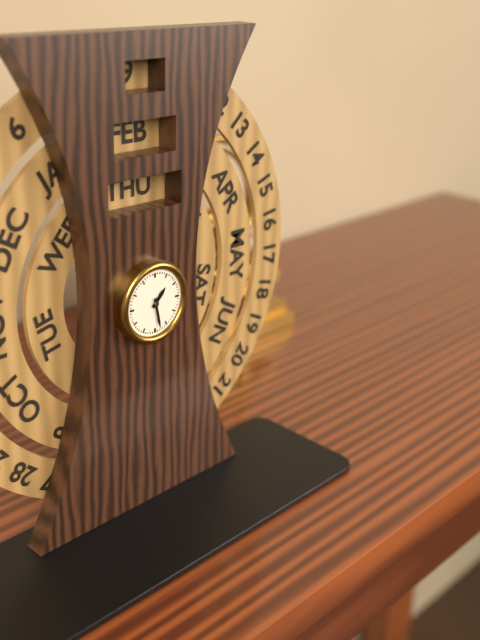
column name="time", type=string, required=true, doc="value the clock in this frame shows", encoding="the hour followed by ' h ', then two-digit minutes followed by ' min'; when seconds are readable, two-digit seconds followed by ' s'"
1 h 28 min
